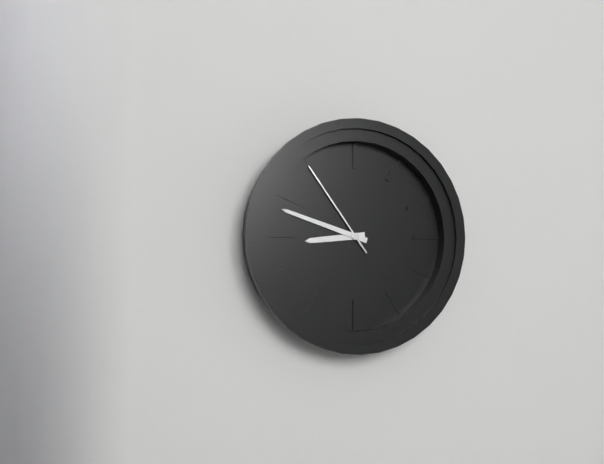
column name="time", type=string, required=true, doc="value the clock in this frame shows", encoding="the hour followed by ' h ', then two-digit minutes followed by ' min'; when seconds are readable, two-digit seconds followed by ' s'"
8 h 48 min 54 s
